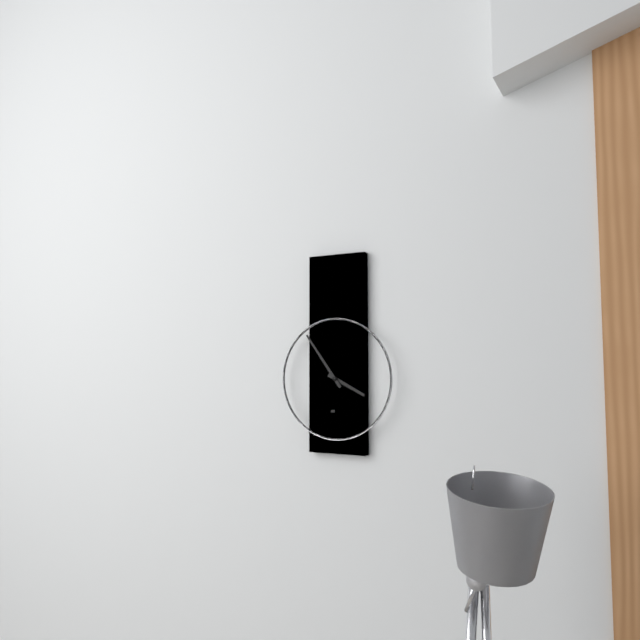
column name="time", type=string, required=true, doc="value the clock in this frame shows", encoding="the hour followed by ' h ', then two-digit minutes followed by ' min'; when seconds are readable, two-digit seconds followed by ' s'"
3 h 54 min
